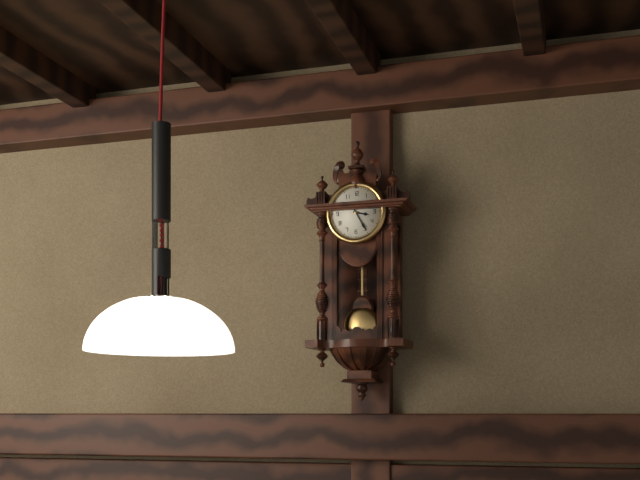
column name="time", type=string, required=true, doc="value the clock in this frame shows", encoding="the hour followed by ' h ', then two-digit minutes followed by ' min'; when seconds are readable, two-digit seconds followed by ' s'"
3 h 25 min
